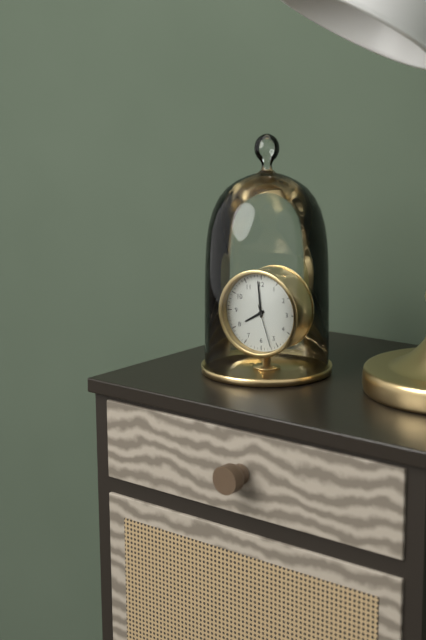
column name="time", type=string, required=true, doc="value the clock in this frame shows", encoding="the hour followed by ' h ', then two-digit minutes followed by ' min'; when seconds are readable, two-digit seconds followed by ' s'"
7 h 59 min
